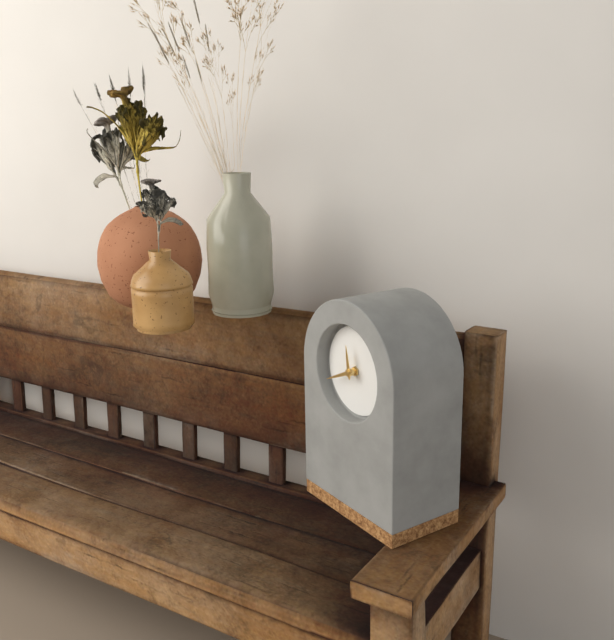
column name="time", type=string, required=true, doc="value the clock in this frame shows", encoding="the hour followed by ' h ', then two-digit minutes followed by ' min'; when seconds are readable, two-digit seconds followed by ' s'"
11 h 41 min
